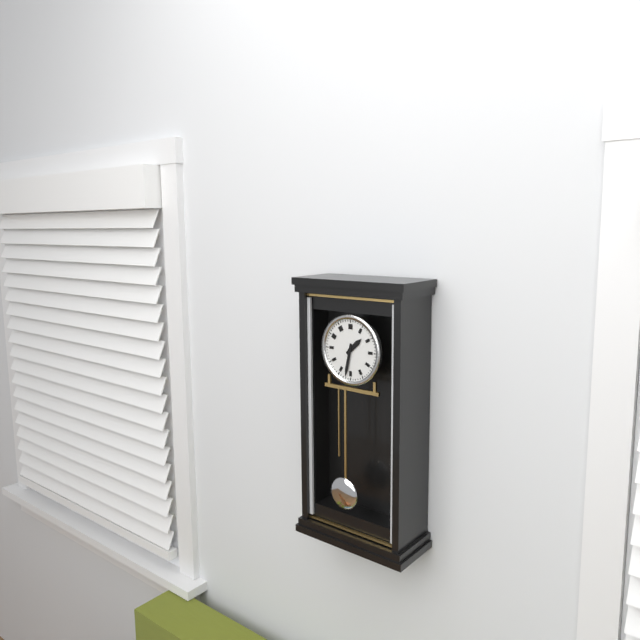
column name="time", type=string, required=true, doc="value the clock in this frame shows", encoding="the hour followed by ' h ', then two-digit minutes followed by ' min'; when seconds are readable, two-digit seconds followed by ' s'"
1 h 32 min
